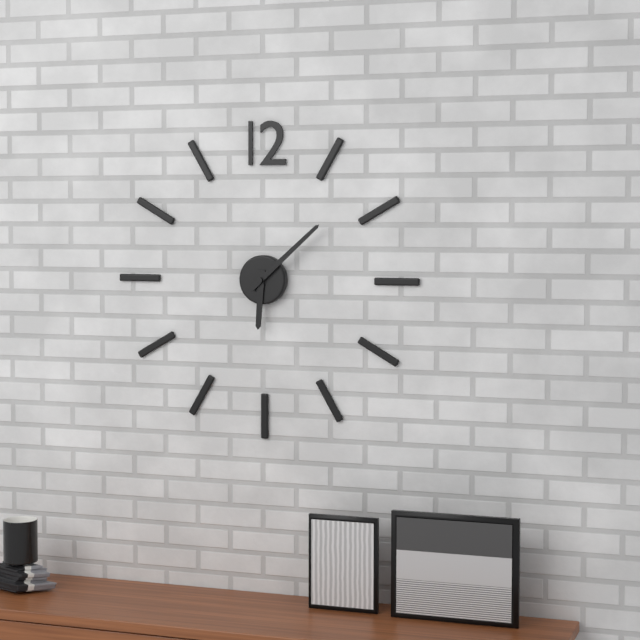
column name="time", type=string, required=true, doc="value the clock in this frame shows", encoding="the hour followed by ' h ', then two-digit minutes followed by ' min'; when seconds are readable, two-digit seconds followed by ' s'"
6 h 08 min
